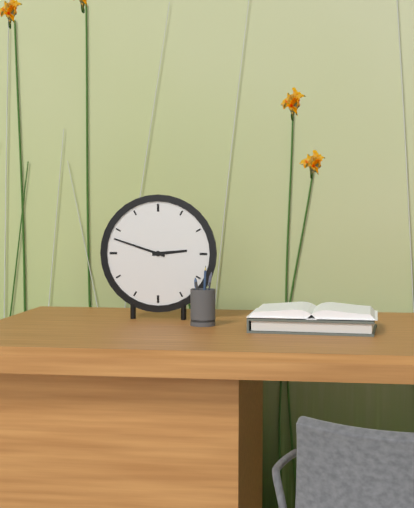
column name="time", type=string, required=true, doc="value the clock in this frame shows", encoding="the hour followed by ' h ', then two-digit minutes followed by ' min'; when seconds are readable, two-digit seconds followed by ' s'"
2 h 48 min
